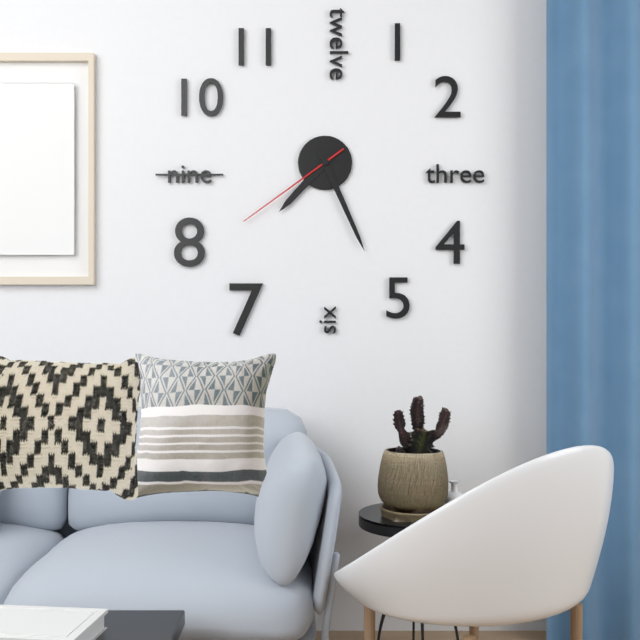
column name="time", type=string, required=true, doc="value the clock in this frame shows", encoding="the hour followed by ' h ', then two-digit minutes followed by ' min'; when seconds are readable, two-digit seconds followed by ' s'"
7 h 26 min 39 s
